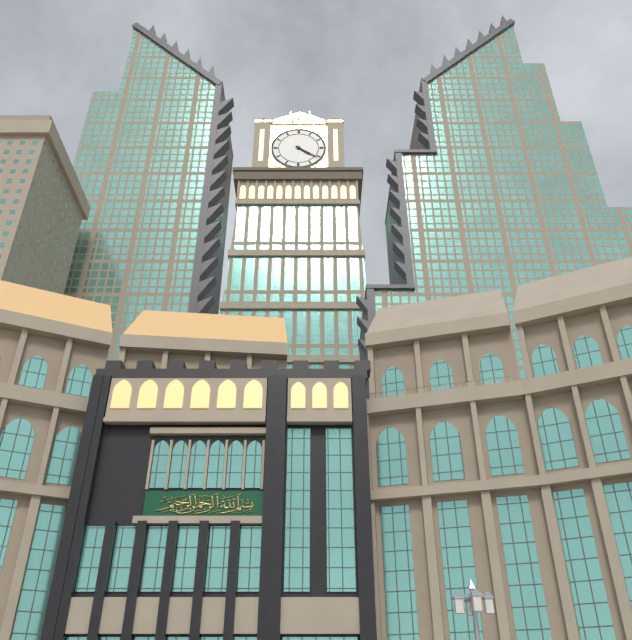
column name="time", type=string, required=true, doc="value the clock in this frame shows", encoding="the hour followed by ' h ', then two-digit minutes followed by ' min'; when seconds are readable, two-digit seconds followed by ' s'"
4 h 21 min
